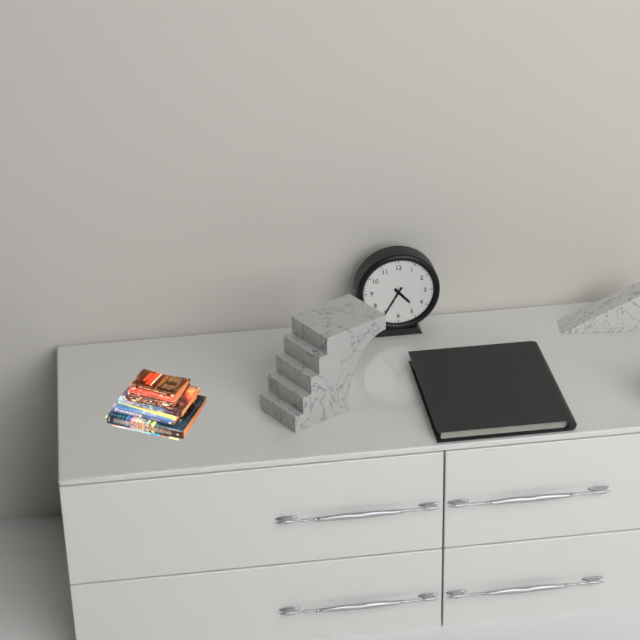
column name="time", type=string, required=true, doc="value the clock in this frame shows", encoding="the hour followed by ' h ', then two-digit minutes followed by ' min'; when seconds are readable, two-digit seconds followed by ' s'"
4 h 35 min
